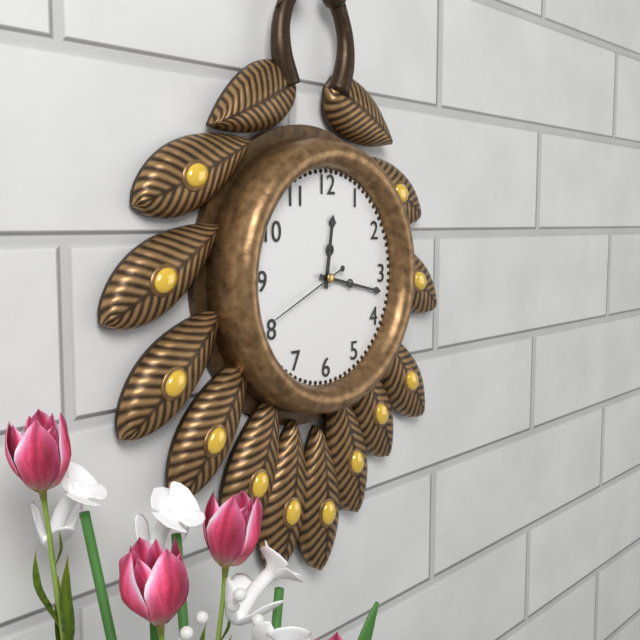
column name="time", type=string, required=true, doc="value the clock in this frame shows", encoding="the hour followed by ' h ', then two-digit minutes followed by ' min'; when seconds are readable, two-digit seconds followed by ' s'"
12 h 17 min 41 s
